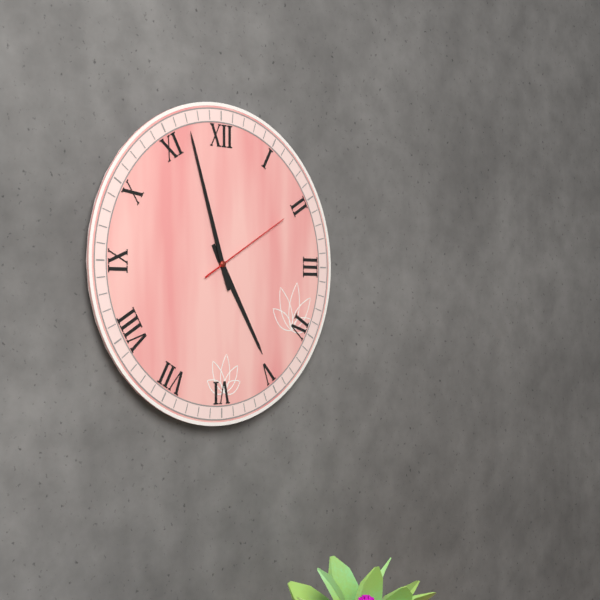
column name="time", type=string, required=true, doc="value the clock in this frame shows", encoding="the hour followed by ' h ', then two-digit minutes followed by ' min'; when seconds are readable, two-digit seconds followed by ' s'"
4 h 57 min 10 s
